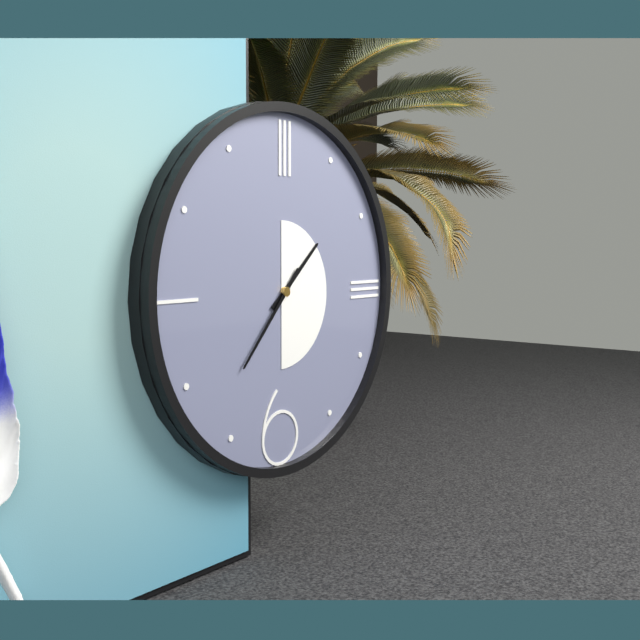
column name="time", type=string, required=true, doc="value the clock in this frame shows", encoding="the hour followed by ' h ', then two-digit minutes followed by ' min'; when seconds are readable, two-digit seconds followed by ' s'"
1 h 37 min
